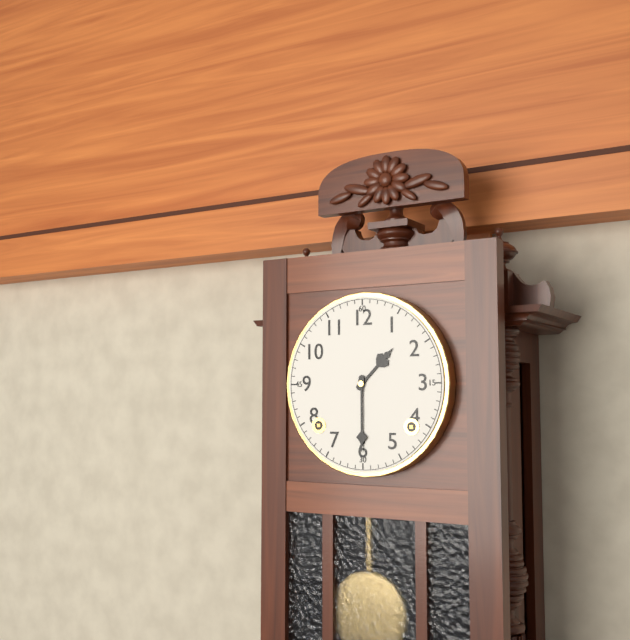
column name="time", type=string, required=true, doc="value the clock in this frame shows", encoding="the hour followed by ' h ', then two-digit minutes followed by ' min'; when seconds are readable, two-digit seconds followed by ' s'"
1 h 30 min
